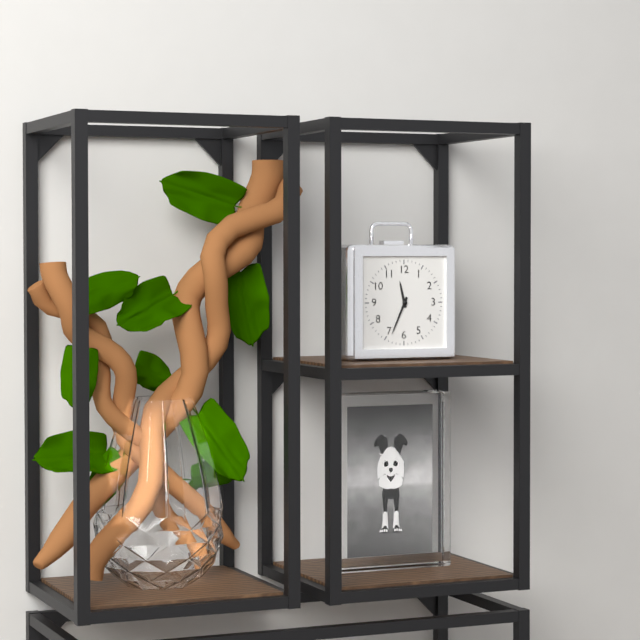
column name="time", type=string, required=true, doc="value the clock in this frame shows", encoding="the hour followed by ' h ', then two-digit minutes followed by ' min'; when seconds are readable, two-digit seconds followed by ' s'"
11 h 34 min
